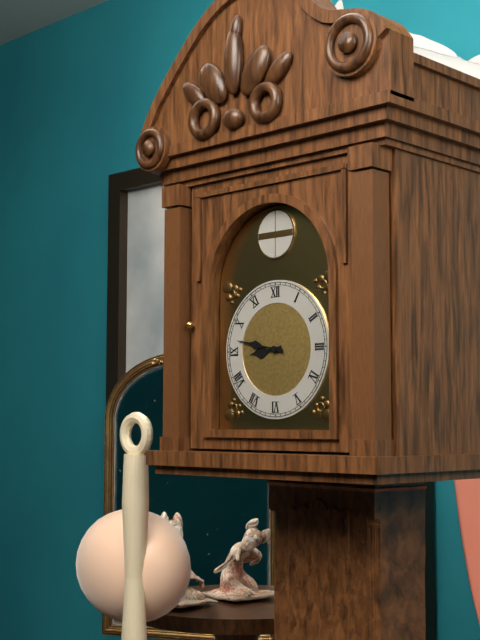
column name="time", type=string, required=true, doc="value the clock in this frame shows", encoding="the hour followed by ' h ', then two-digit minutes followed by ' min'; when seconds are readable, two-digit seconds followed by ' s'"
8 h 47 min
